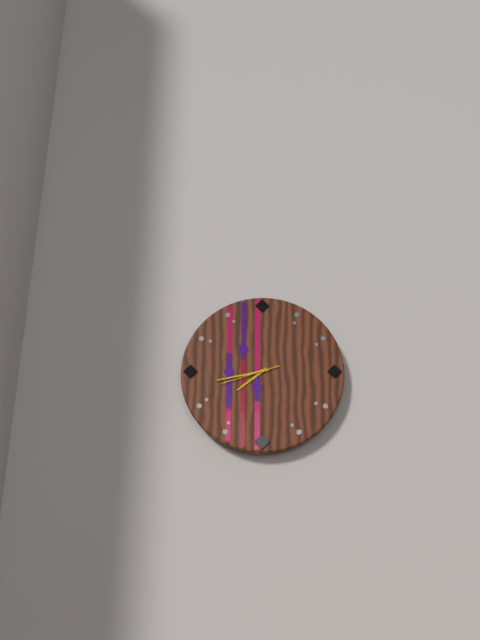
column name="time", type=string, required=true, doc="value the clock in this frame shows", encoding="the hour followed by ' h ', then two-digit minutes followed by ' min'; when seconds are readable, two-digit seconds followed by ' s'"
7 h 43 min 42 s
